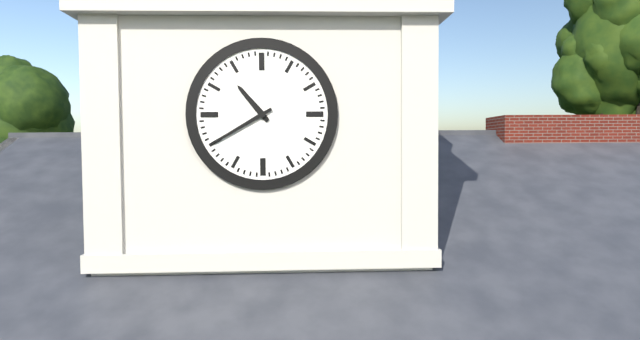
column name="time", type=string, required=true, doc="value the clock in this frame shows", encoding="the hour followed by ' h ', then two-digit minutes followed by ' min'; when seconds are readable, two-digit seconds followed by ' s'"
10 h 40 min
